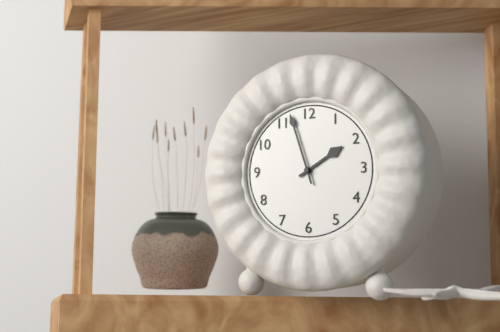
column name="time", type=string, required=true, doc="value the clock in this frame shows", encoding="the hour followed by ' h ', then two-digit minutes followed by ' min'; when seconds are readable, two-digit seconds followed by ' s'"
1 h 57 min
